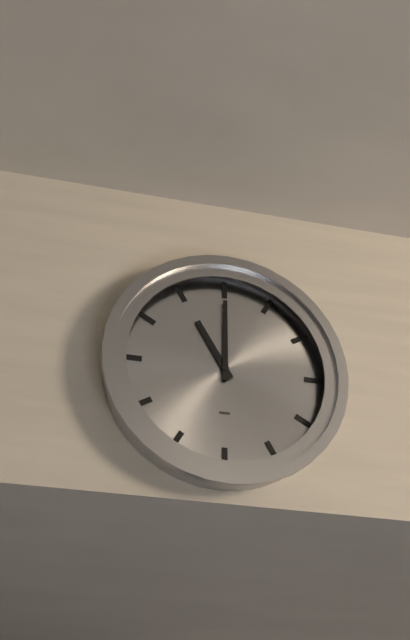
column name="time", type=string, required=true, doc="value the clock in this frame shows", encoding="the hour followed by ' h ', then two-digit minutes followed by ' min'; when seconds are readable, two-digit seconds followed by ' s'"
11 h 00 min
